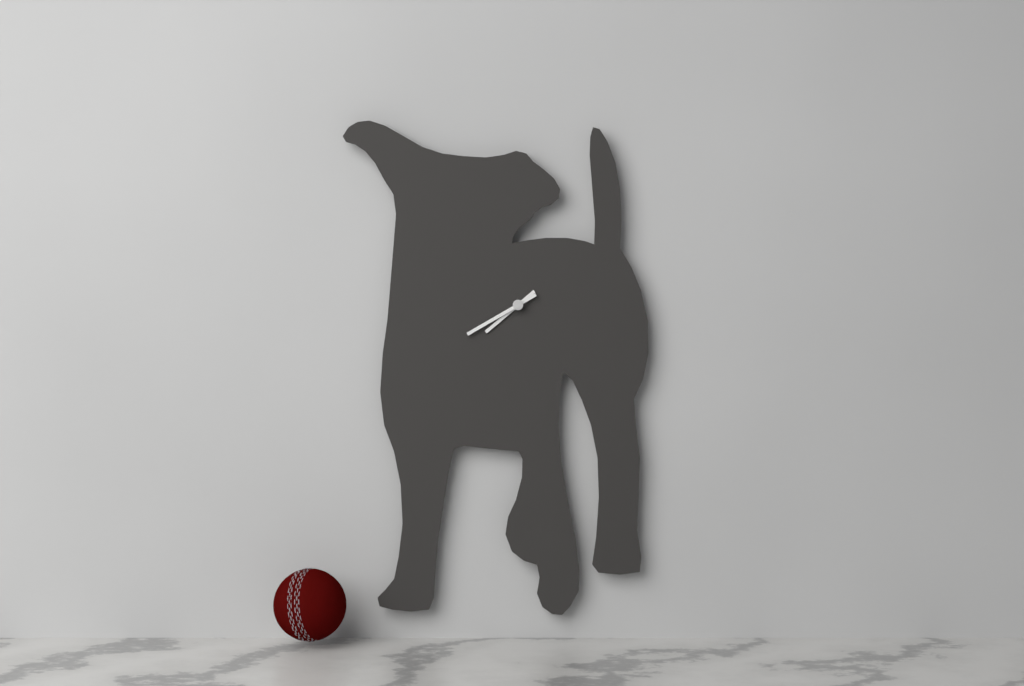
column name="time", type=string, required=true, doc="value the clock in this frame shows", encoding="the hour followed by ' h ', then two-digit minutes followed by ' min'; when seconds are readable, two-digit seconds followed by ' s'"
7 h 40 min
